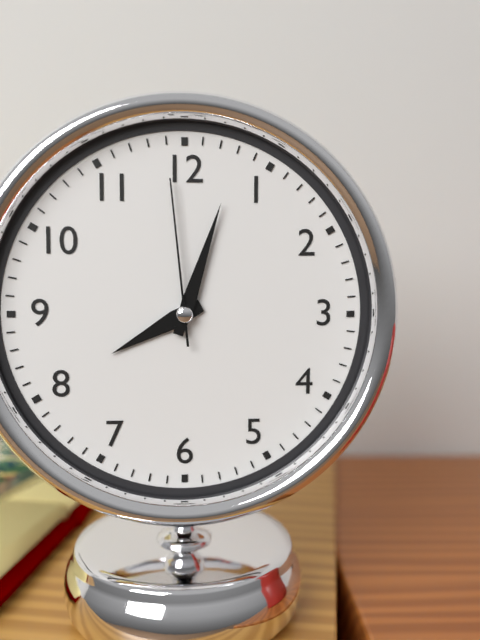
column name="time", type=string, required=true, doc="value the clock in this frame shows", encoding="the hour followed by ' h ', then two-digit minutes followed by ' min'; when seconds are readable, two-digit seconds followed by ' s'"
8 h 03 min 59 s
